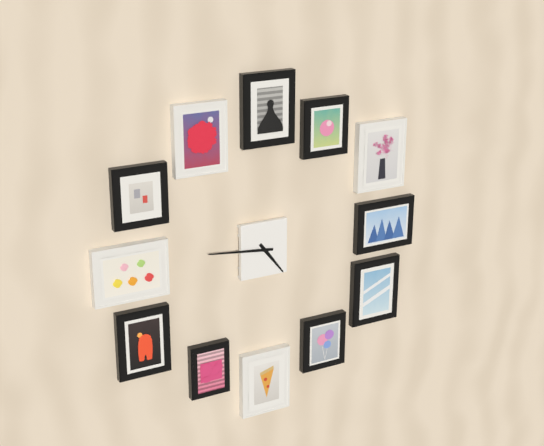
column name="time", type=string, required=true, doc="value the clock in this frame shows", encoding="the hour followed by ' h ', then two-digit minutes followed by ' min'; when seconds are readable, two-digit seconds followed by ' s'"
4 h 46 min
